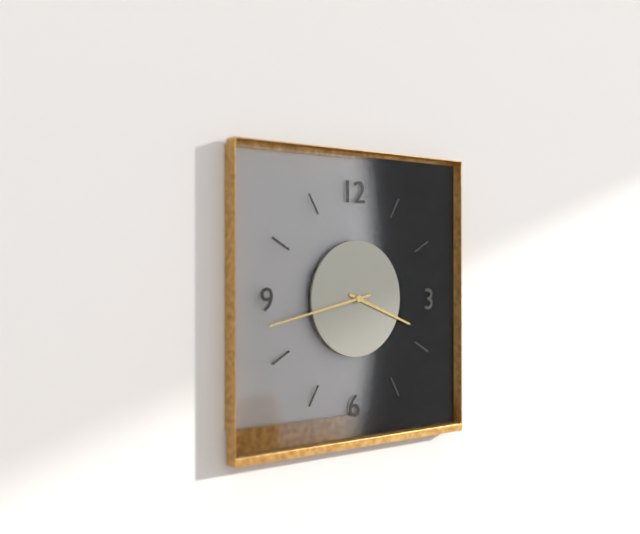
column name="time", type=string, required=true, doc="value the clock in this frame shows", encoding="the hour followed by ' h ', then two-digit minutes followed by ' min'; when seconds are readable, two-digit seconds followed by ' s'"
3 h 43 min
